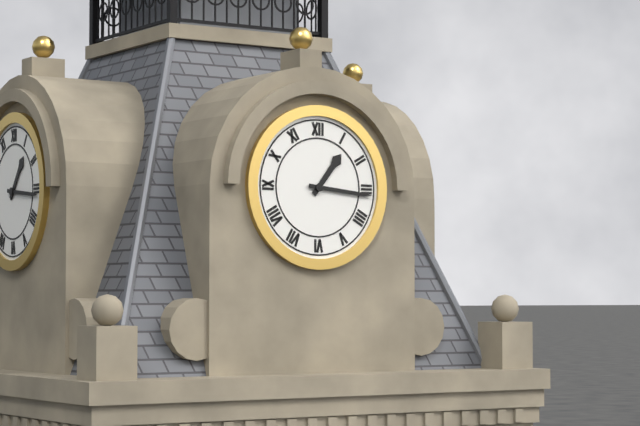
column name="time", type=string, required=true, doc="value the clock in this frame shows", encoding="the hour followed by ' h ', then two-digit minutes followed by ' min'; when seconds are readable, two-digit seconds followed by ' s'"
1 h 16 min
